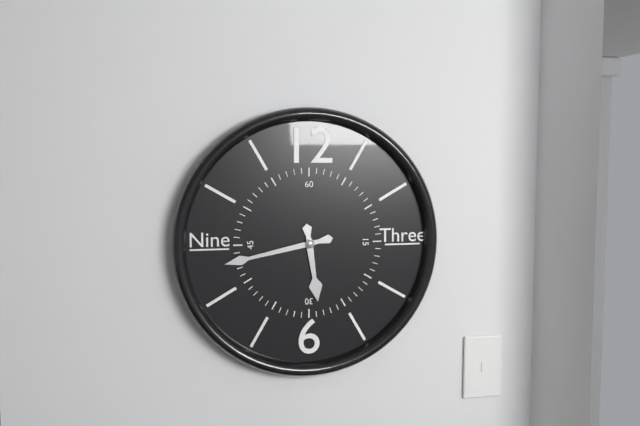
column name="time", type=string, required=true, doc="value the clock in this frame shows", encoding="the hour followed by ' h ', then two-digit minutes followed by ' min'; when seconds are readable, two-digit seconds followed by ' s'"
5 h 43 min
